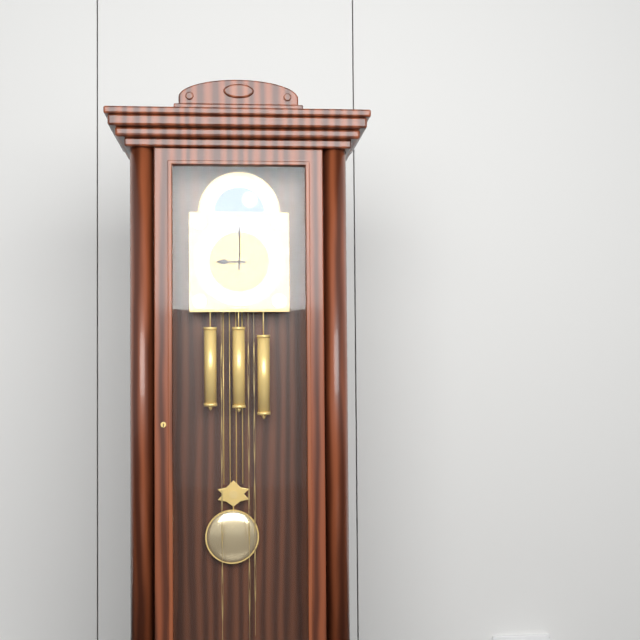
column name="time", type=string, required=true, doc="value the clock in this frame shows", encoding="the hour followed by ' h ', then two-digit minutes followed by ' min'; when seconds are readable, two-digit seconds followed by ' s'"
9 h 00 min
